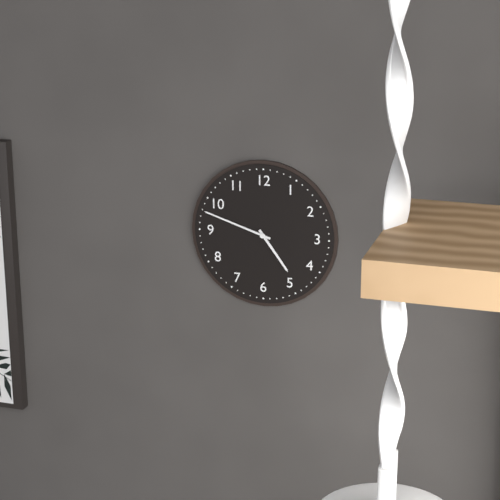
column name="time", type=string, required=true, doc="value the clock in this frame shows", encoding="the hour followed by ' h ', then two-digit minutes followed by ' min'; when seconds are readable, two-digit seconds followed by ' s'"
4 h 48 min
